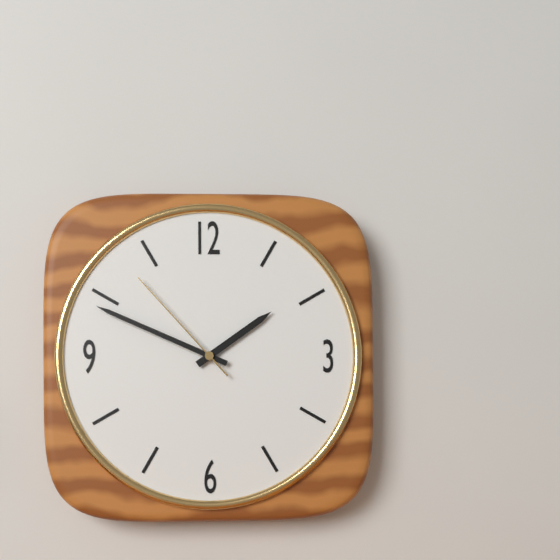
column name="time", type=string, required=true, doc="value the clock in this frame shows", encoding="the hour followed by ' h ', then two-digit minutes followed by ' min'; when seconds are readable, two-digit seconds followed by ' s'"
1 h 49 min 53 s
